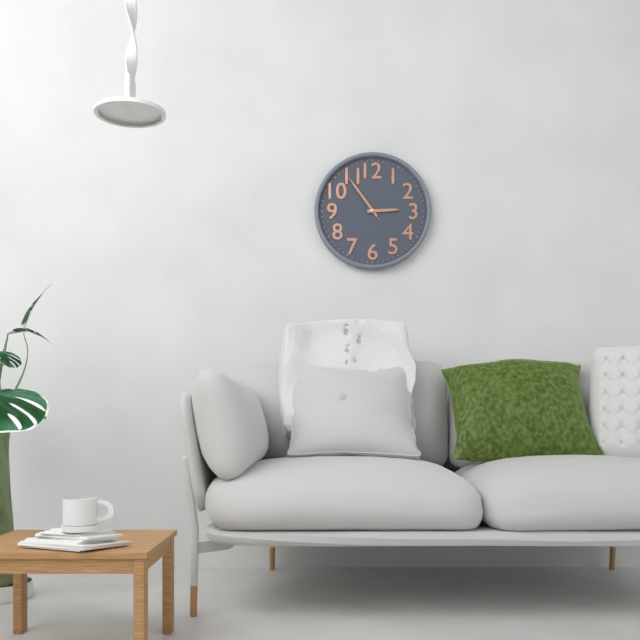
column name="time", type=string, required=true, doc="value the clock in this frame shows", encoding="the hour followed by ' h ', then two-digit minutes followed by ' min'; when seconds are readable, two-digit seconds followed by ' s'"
2 h 54 min 54 s
